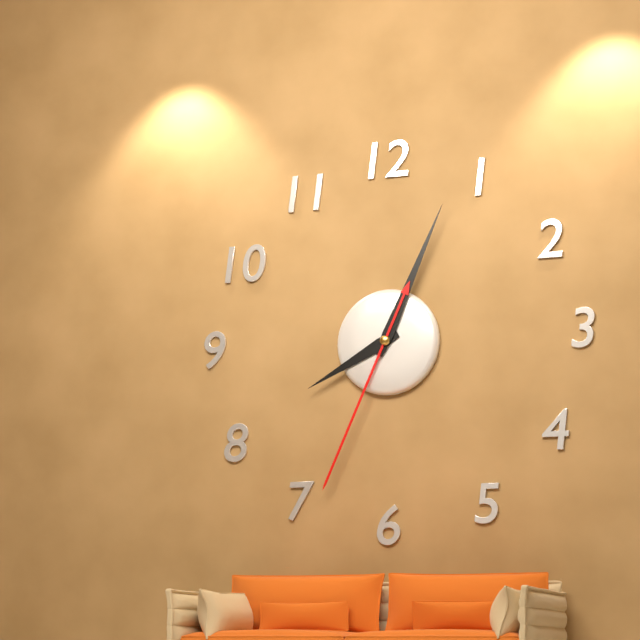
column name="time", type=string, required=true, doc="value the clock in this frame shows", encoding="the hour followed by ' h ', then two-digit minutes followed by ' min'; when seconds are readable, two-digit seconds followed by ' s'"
8 h 04 min 34 s
